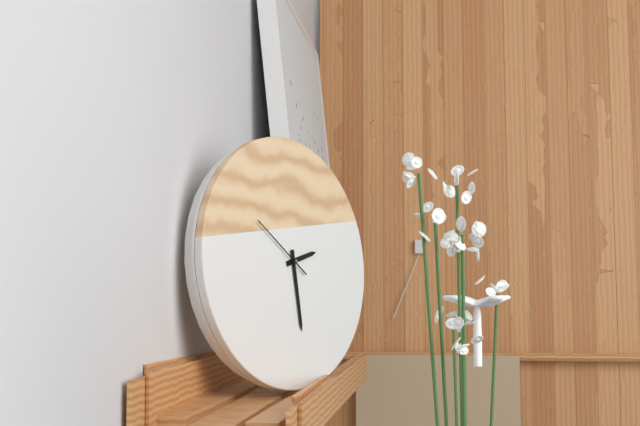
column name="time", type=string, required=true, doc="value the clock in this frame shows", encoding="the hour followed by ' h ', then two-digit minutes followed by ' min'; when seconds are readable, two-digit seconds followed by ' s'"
2 h 29 min 51 s
